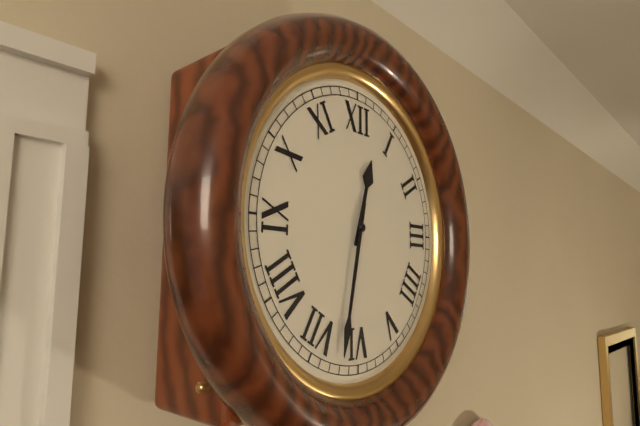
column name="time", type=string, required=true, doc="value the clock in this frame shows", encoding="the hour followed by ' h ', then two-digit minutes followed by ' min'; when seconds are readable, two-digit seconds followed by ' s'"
12 h 32 min
